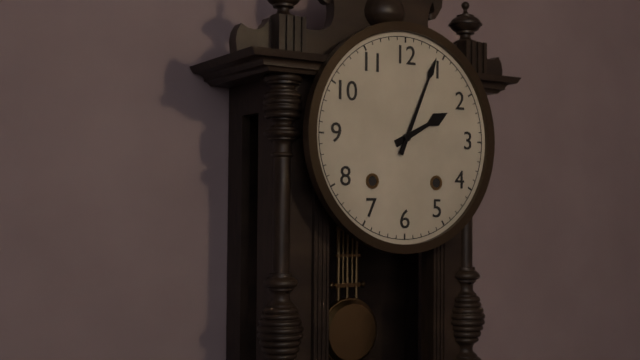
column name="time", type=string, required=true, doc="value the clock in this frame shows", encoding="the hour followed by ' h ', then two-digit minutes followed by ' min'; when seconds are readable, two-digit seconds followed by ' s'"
2 h 04 min
